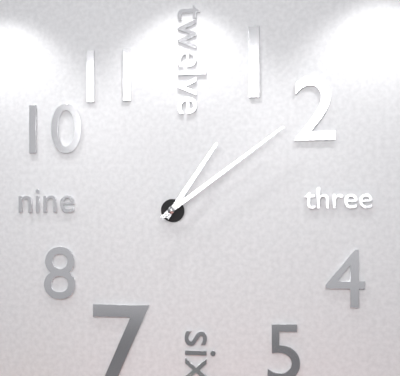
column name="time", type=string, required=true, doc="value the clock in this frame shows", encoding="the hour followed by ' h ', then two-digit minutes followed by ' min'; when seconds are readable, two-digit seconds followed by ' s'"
1 h 09 min
